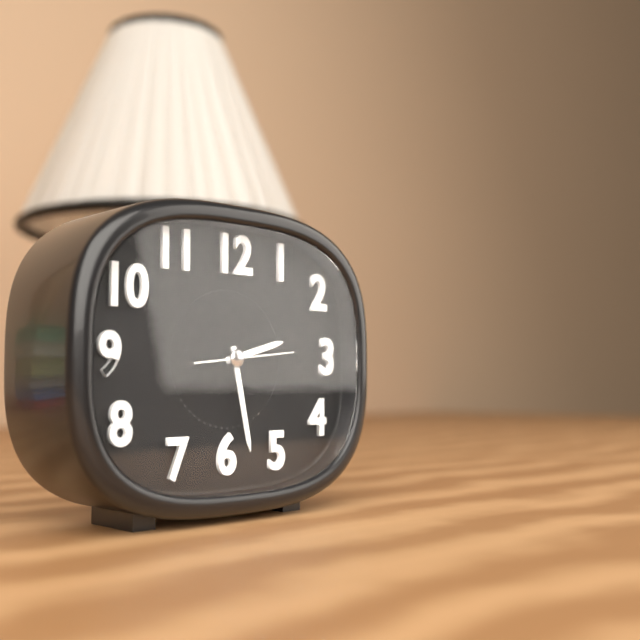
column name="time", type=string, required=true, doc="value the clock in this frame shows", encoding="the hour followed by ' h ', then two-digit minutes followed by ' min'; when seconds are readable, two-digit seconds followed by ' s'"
2 h 28 min 14 s
